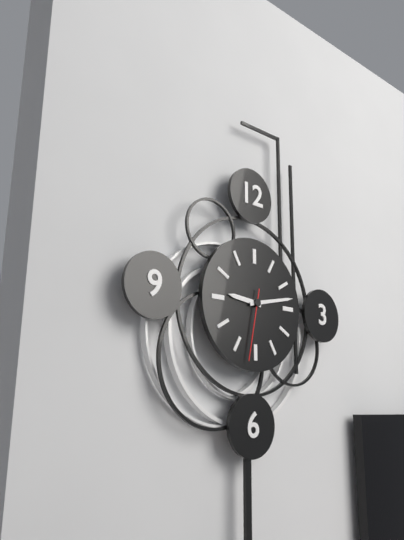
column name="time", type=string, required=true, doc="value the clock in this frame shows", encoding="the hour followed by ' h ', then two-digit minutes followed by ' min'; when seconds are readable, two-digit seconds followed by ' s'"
9 h 13 min 32 s
